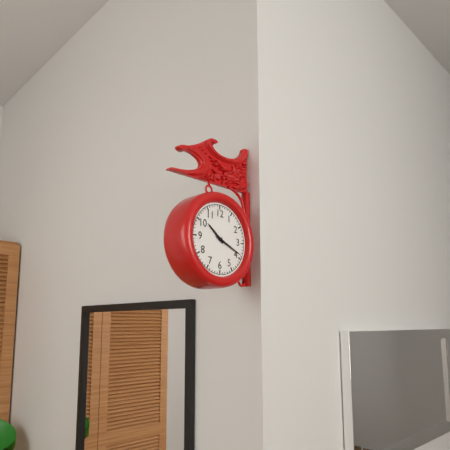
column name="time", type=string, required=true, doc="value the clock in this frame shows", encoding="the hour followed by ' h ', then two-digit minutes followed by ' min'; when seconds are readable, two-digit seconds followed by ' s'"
10 h 19 min
